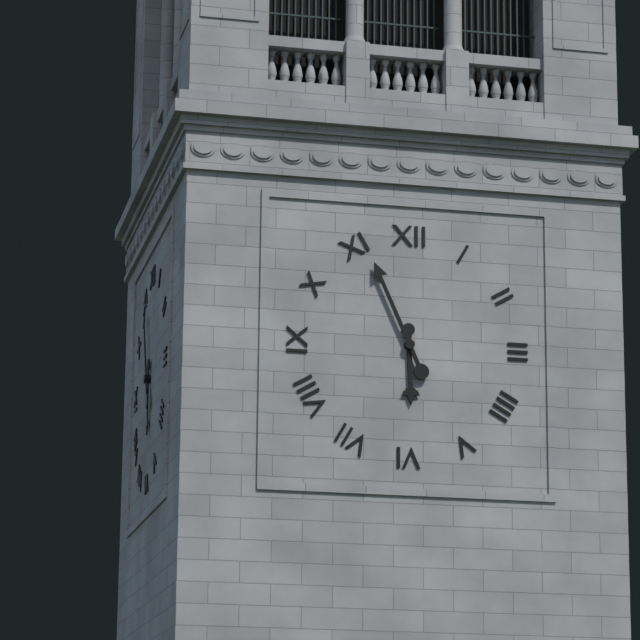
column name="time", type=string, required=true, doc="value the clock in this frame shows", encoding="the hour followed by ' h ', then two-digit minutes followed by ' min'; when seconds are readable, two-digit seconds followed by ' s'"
5 h 56 min
